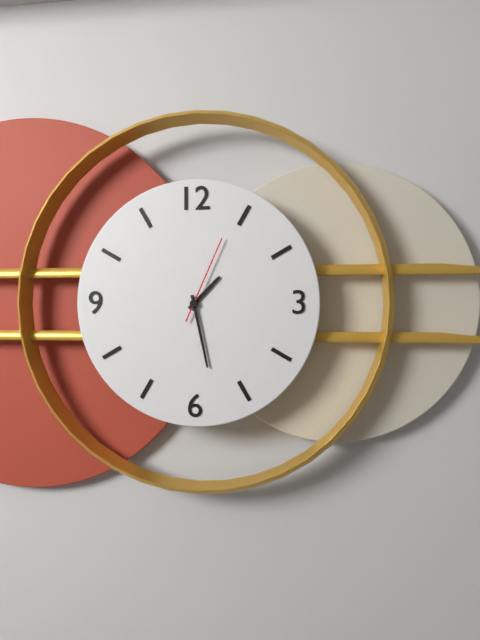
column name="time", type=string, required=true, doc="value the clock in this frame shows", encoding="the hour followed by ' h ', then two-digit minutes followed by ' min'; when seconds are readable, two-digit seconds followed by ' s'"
1 h 28 min 04 s
